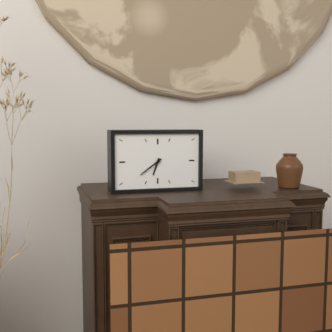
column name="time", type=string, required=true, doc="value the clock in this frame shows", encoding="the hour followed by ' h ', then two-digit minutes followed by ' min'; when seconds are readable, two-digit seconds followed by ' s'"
6 h 39 min
